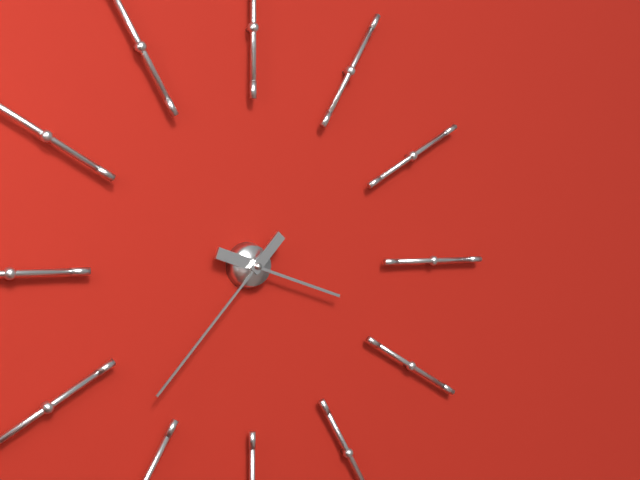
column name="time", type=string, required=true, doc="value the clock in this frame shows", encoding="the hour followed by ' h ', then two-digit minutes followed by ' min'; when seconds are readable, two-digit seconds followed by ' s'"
3 h 37 min
